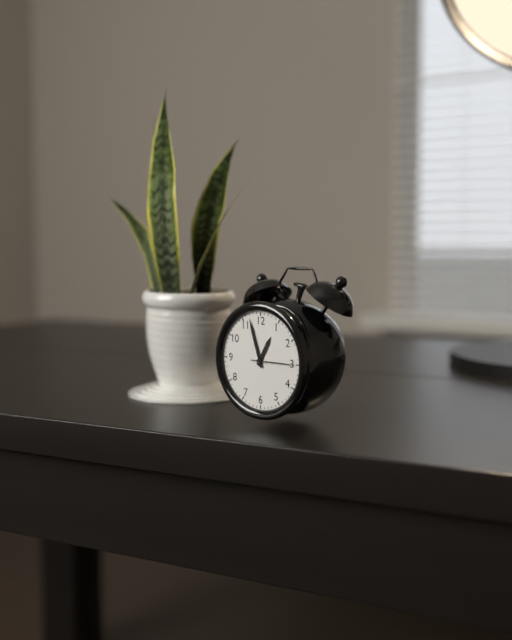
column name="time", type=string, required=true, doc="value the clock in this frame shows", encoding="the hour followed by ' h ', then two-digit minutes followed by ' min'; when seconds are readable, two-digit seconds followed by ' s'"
12 h 57 min
